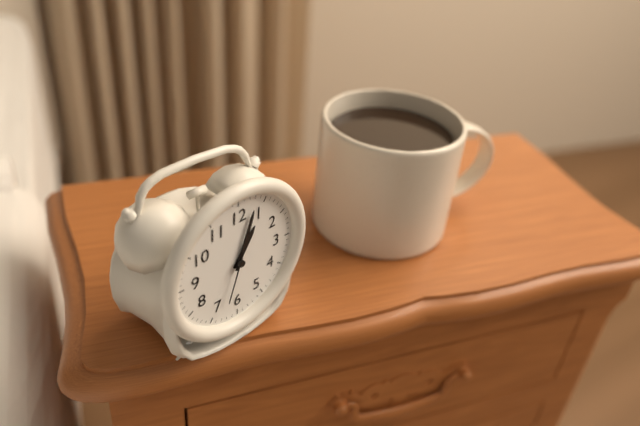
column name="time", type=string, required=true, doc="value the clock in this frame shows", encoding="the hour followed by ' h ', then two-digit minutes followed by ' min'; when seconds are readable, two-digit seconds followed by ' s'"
1 h 03 min 33 s
